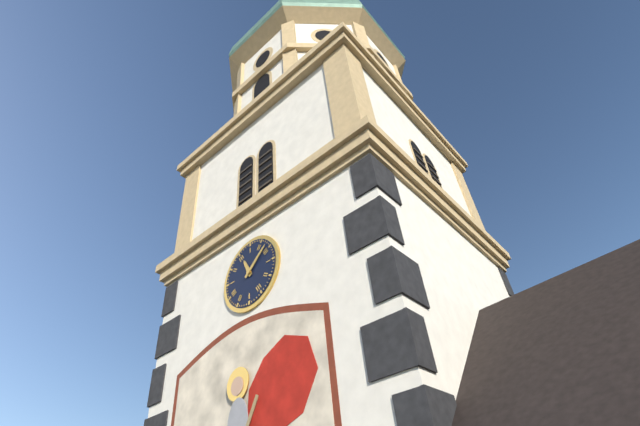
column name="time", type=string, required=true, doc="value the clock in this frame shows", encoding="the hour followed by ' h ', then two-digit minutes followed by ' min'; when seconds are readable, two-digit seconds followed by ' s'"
11 h 08 min
